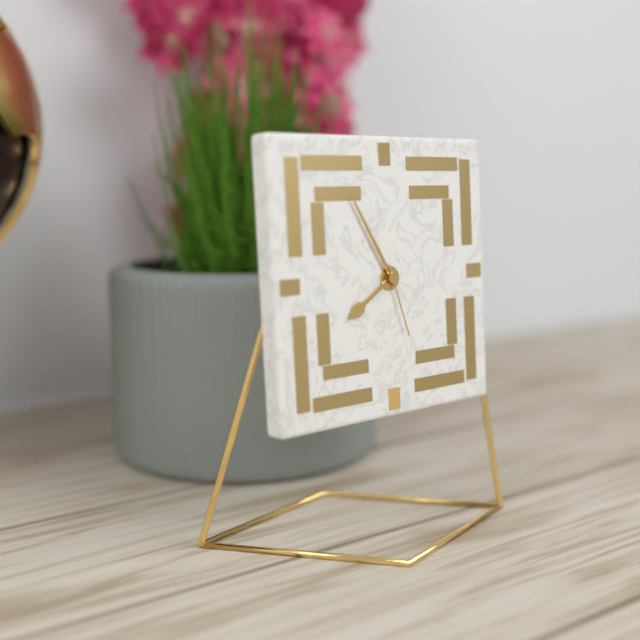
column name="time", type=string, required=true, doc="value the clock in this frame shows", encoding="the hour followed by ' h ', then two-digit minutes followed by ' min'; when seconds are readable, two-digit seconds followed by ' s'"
7 h 55 min 27 s
